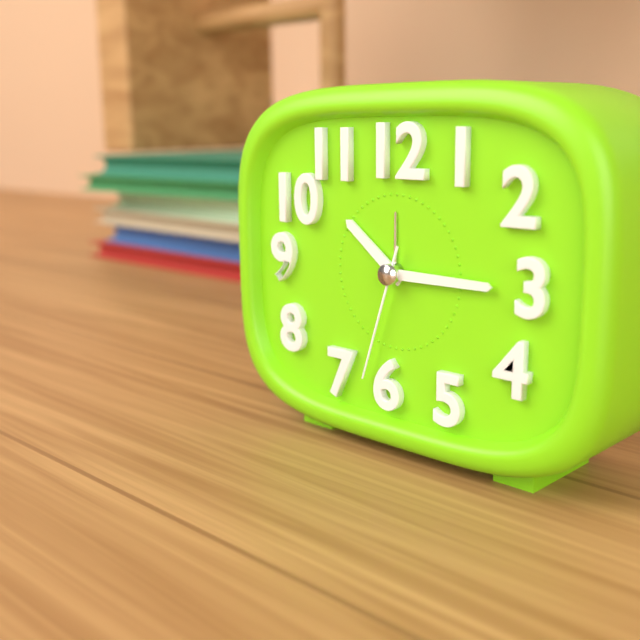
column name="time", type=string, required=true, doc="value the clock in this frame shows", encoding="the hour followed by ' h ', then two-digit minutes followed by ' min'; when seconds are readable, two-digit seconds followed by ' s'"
10 h 15 min 33 s
